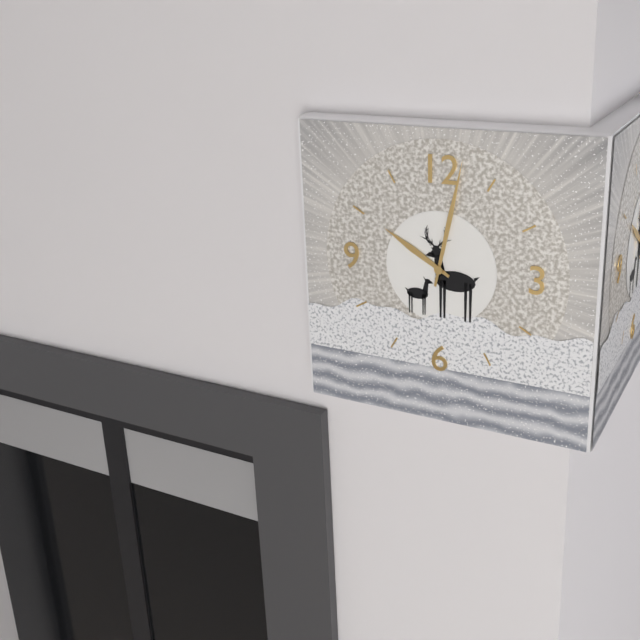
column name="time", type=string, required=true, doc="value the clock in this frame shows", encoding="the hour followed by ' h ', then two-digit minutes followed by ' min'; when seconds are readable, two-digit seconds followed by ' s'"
10 h 02 min
